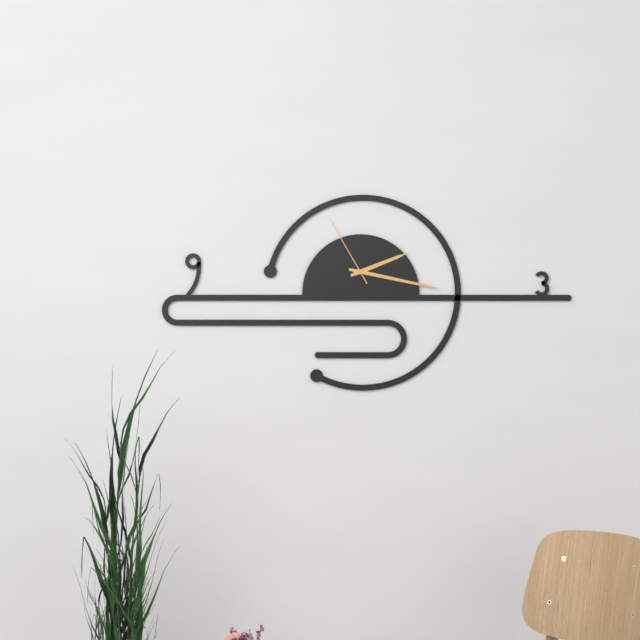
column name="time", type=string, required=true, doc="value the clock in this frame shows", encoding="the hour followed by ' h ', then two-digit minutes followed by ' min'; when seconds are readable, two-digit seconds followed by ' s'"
2 h 17 min 55 s
